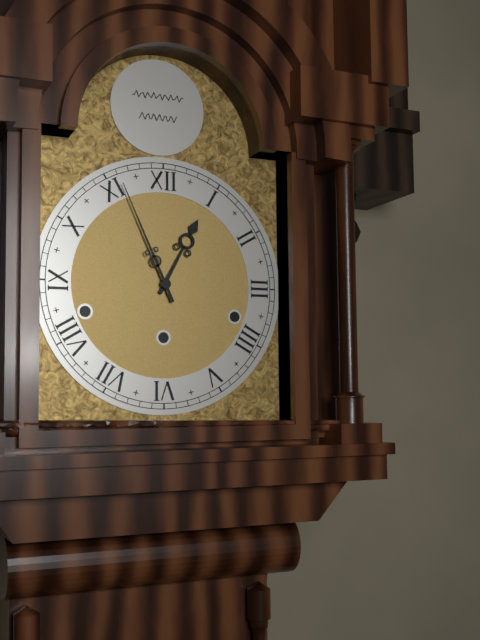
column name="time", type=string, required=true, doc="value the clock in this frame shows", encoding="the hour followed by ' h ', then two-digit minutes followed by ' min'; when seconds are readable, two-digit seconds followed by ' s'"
12 h 56 min
